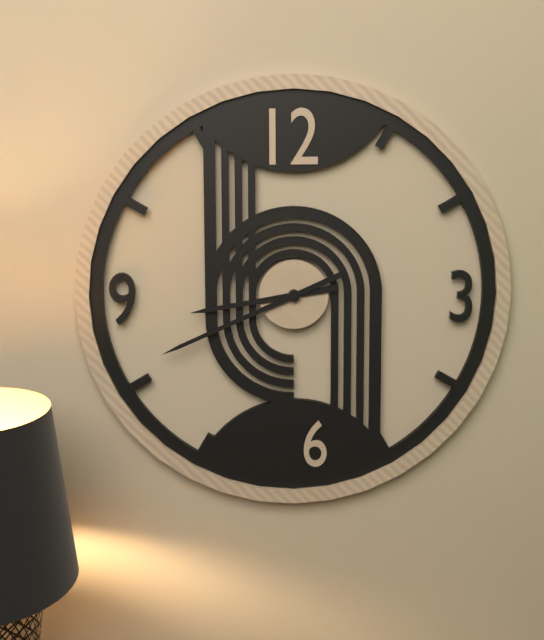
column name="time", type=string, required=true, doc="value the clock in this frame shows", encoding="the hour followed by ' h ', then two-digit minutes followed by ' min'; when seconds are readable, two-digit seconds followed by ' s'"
8 h 41 min
